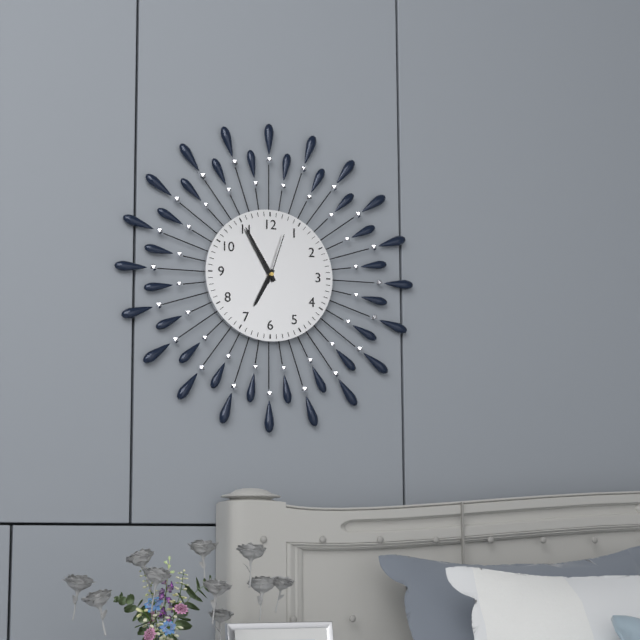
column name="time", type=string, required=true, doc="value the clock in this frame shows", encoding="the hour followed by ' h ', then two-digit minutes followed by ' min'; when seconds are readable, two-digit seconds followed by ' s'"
6 h 55 min 03 s
